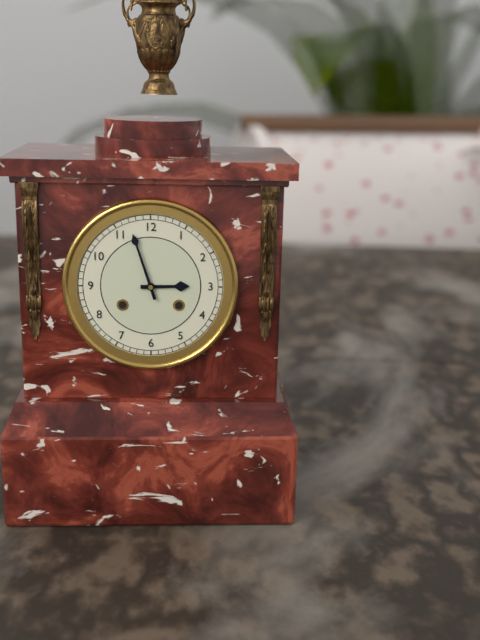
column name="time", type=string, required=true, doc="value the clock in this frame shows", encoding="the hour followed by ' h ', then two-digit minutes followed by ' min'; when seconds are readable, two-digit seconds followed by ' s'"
2 h 57 min
